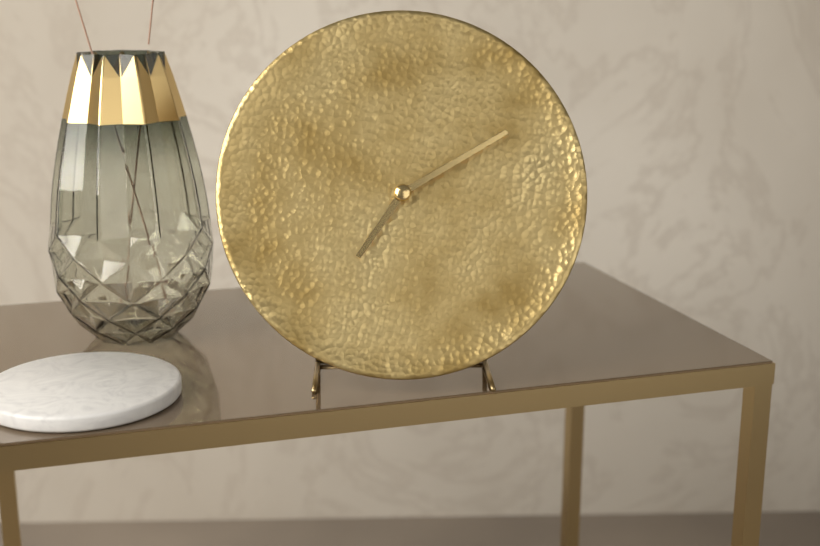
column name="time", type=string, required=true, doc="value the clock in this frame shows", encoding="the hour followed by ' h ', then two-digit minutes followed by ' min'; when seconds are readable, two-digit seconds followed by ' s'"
7 h 10 min
